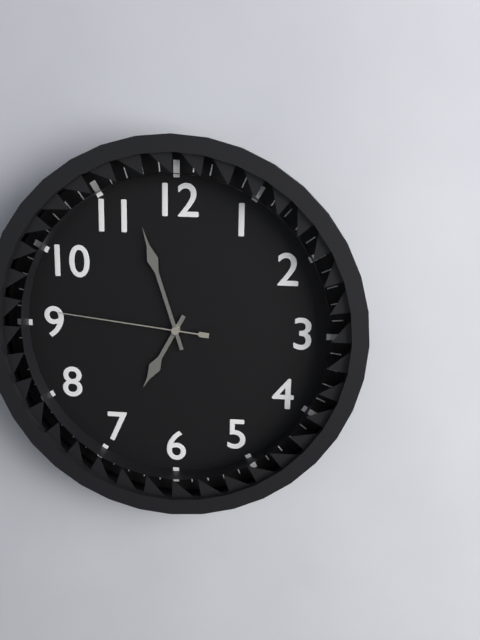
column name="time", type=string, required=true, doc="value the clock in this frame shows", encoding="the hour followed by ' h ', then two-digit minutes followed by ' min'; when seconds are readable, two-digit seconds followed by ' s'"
6 h 57 min 46 s
